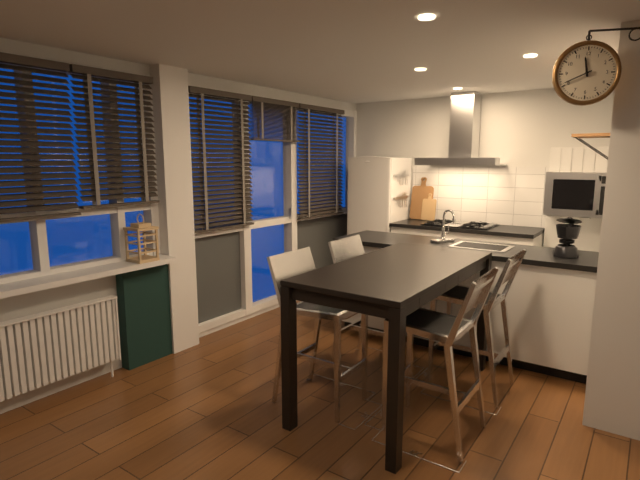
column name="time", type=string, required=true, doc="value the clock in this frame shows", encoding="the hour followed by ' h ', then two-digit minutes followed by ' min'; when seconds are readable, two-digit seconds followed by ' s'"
11 h 41 min
